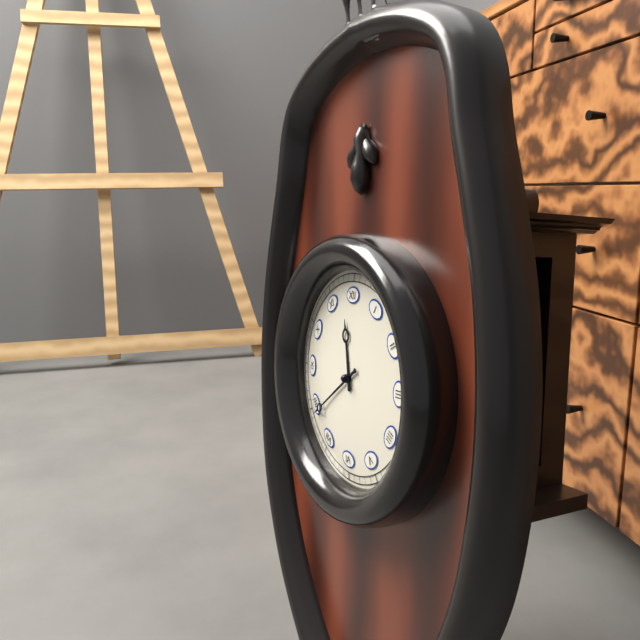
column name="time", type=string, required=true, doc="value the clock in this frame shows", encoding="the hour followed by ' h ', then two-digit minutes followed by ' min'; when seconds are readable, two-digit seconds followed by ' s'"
11 h 39 min
